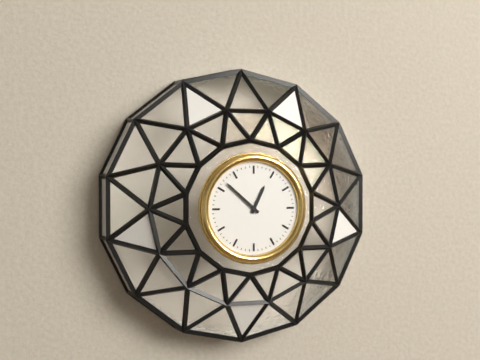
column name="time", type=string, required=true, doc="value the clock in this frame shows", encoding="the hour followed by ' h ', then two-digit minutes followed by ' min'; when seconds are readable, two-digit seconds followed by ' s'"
12 h 52 min
